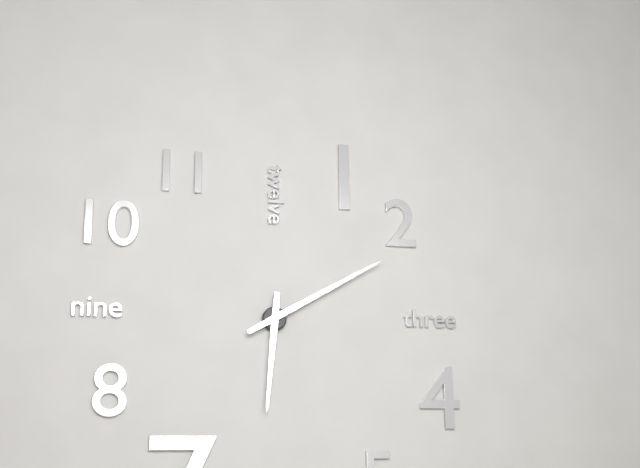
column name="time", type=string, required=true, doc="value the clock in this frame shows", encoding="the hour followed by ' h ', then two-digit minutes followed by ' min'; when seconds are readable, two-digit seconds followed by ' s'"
6 h 10 min
